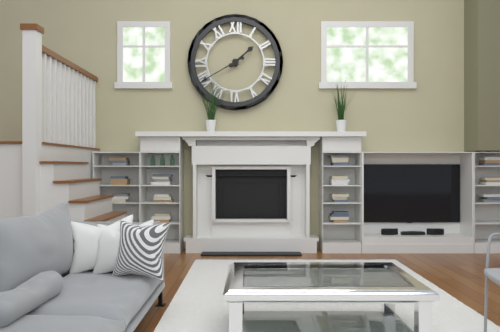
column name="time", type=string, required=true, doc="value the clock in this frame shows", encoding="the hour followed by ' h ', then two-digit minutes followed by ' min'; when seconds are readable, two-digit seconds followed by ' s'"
1 h 40 min
